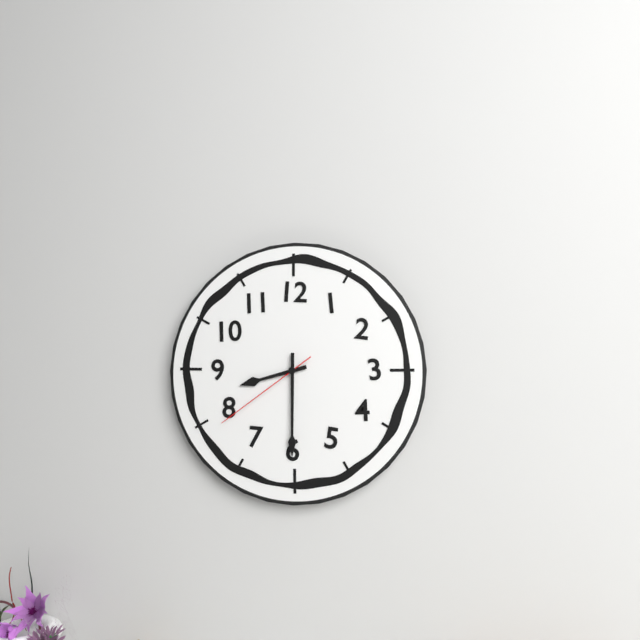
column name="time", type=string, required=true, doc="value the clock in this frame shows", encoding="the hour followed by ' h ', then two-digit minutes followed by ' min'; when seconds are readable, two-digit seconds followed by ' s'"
8 h 30 min 39 s
